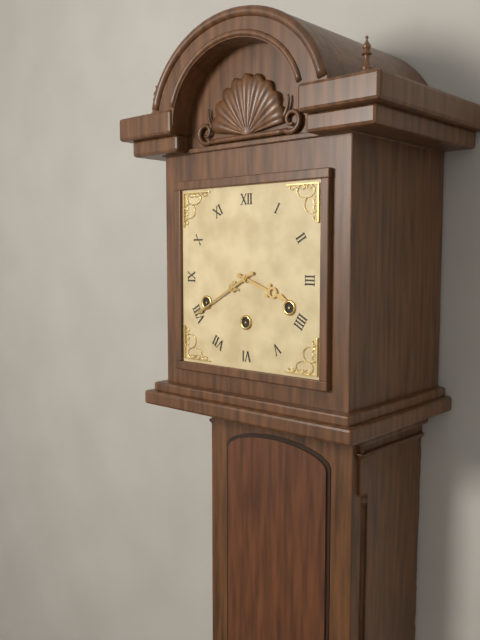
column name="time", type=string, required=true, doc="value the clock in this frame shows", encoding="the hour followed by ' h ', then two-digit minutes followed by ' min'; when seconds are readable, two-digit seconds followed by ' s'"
3 h 40 min
